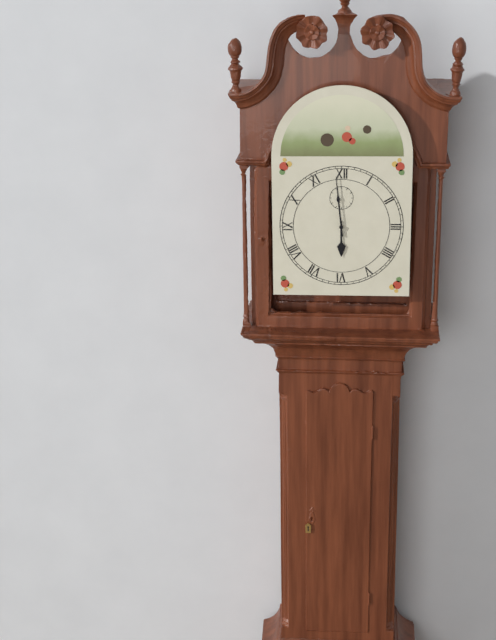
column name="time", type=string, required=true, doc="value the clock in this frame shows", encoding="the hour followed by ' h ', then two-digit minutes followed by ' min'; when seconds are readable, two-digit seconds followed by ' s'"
5 h 59 min
